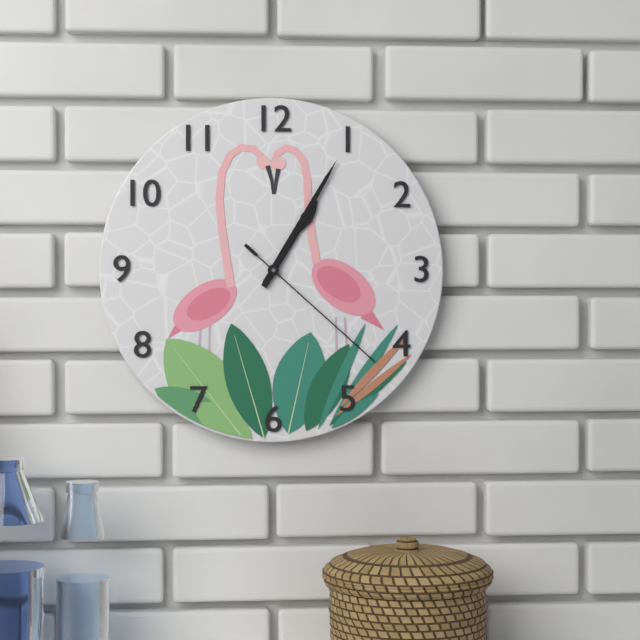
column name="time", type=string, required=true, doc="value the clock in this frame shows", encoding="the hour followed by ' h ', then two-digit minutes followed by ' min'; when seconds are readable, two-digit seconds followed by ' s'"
1 h 05 min 22 s
